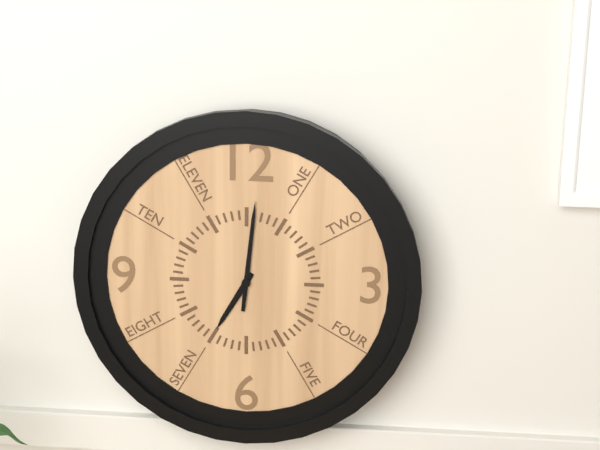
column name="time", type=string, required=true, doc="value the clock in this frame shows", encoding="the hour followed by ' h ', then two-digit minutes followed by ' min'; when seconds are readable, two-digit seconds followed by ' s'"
7 h 01 min
